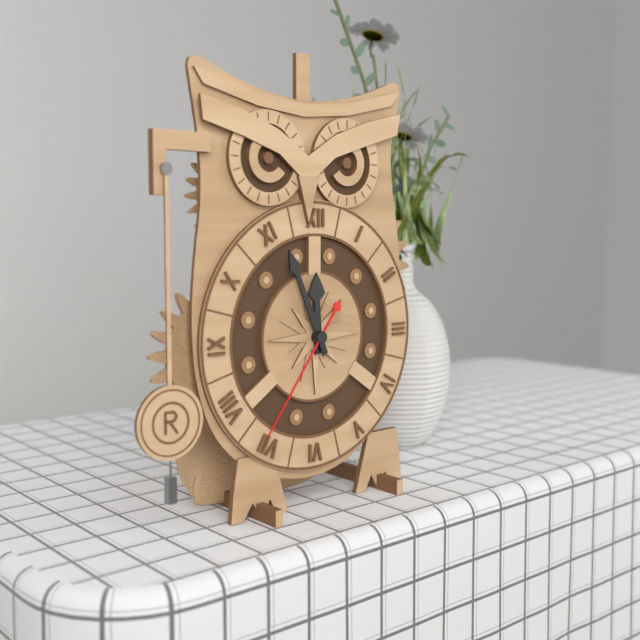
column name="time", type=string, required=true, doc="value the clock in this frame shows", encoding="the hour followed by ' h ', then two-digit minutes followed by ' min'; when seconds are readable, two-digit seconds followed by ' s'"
11 h 56 min 36 s
